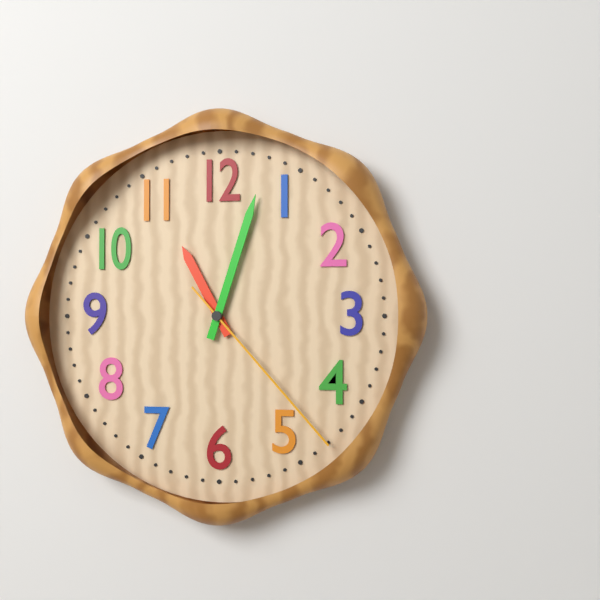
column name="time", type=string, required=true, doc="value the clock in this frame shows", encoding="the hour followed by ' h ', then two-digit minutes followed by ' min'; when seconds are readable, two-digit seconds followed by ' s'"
11 h 03 min 23 s
